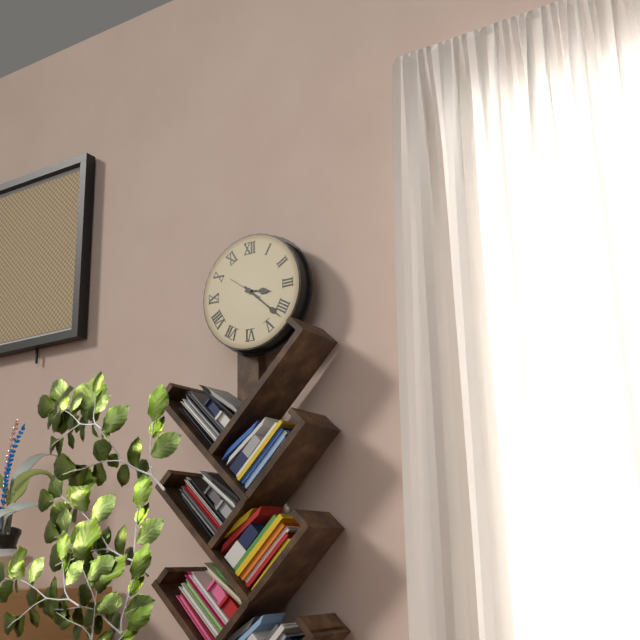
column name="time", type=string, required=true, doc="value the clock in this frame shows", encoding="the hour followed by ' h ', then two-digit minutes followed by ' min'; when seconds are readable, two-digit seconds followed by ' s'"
3 h 22 min
